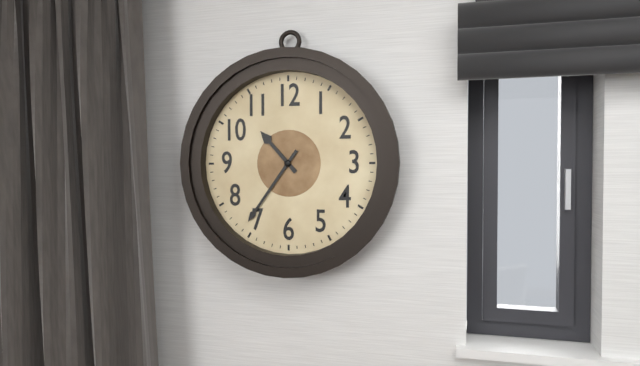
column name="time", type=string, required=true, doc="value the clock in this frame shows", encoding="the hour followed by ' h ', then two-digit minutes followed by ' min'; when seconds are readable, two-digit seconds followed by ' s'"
10 h 36 min
